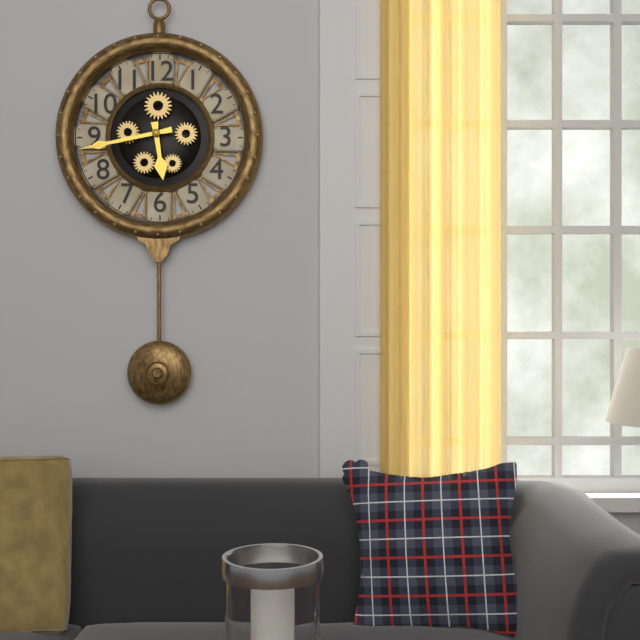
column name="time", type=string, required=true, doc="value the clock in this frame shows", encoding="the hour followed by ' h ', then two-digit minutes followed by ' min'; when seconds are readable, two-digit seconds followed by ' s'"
5 h 43 min
